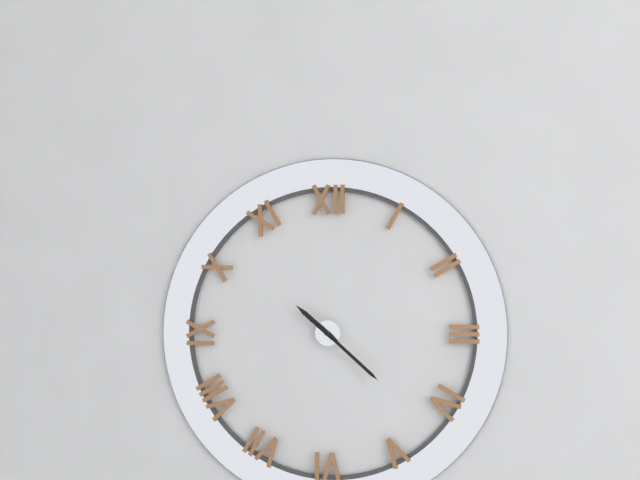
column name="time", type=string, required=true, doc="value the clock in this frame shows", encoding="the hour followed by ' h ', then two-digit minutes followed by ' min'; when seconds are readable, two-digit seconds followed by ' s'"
10 h 22 min
